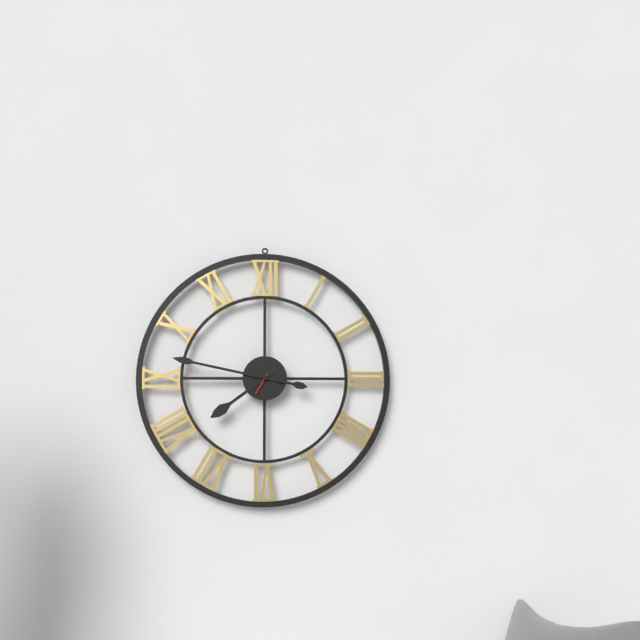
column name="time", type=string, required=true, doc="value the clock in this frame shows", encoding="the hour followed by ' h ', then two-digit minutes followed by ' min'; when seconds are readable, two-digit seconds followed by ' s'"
7 h 47 min
